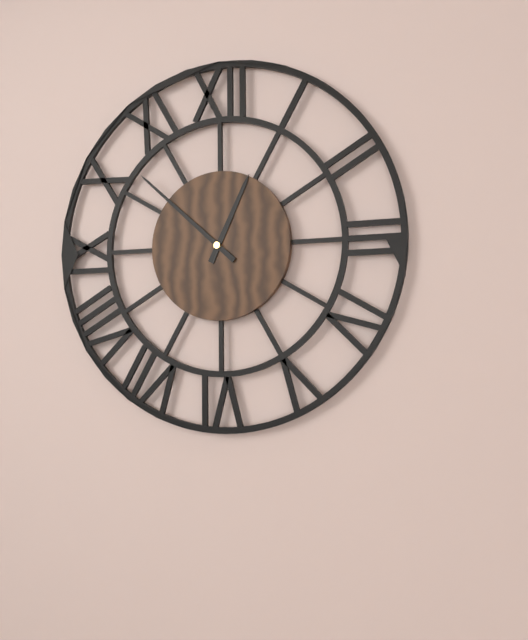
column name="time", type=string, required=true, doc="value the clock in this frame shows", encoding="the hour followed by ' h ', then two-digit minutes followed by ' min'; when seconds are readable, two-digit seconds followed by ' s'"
12 h 52 min
